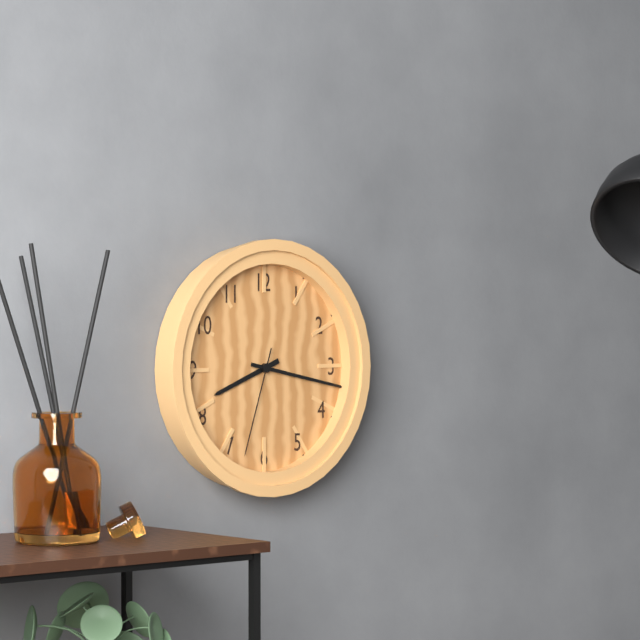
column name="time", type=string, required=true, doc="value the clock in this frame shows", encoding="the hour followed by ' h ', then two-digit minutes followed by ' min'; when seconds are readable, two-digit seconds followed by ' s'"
8 h 17 min 33 s
